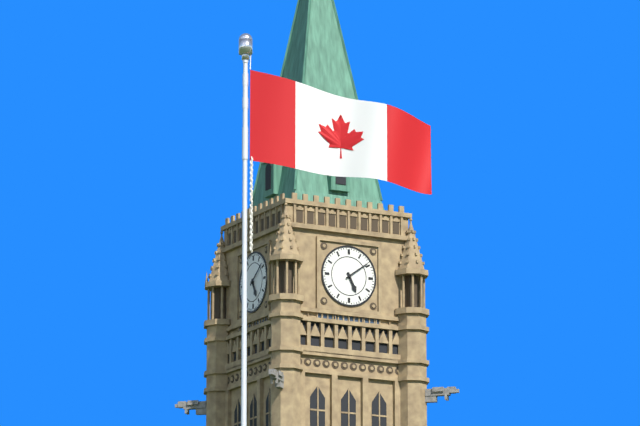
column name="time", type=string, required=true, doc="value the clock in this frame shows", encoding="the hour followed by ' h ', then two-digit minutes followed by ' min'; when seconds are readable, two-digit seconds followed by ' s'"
5 h 09 min
